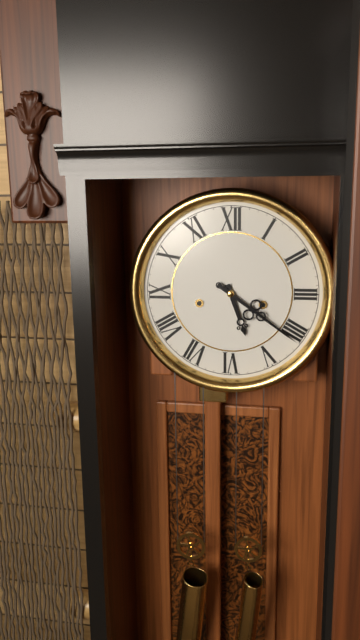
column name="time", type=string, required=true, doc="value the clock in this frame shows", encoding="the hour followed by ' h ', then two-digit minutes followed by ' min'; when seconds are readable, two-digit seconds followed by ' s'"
5 h 21 min
